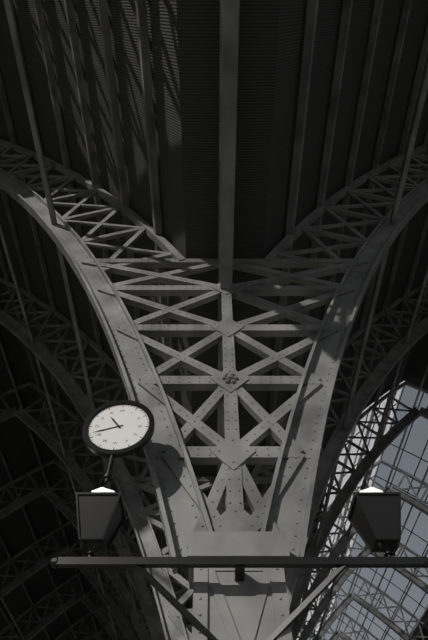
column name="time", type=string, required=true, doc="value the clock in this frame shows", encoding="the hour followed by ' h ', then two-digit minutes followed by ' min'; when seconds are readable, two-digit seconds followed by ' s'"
10 h 42 min
